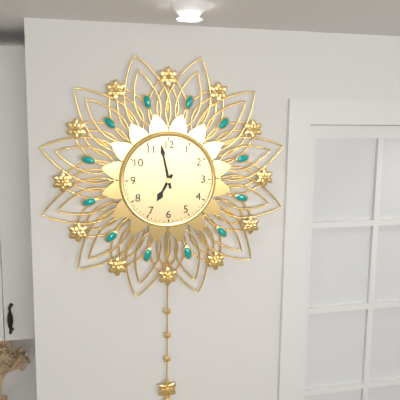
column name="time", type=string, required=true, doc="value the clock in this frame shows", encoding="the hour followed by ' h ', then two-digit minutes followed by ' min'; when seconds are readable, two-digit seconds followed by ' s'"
6 h 58 min
